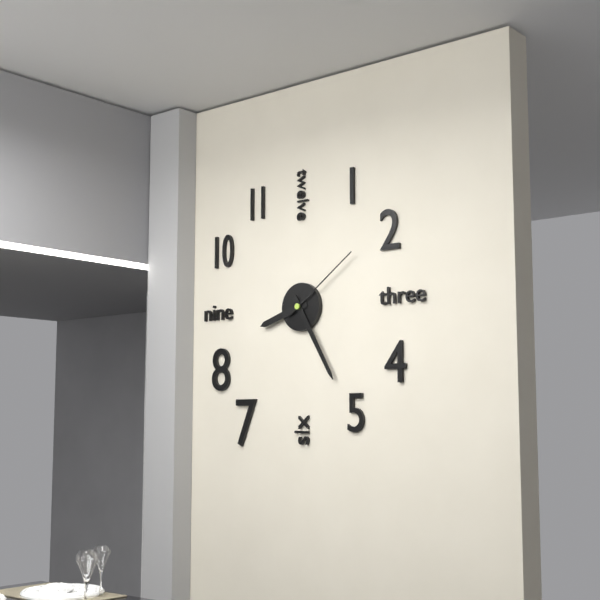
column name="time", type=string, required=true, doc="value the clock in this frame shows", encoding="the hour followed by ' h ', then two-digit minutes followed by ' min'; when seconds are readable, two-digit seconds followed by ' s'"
8 h 25 min 09 s
